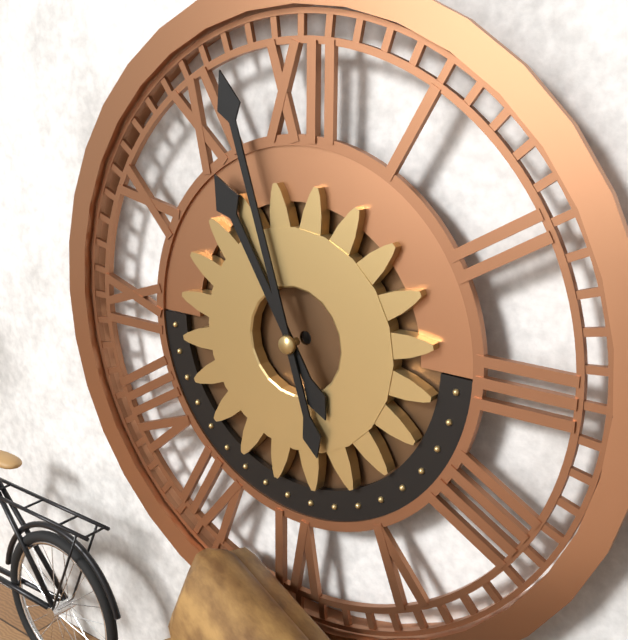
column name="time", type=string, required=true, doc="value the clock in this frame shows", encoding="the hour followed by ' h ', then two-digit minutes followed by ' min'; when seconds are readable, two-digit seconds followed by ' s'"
10 h 57 min
